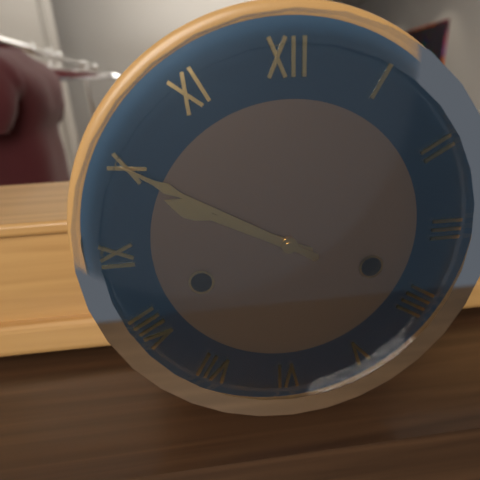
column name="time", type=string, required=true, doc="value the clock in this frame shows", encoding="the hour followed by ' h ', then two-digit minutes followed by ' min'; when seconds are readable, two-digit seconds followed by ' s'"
9 h 50 min
